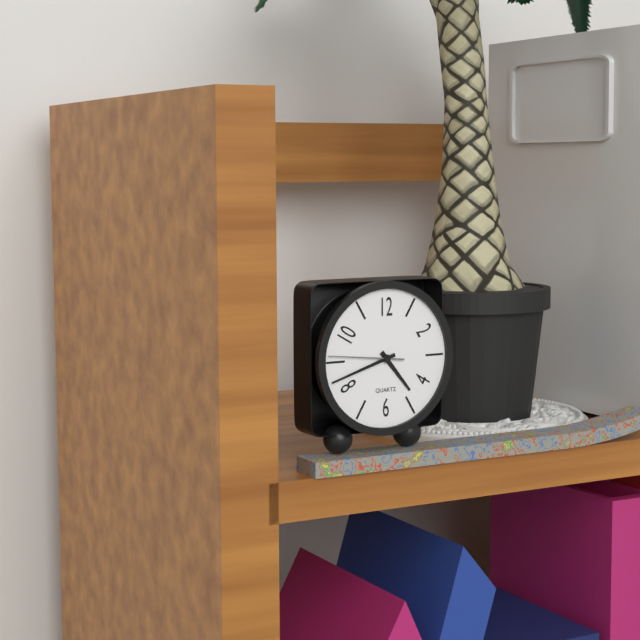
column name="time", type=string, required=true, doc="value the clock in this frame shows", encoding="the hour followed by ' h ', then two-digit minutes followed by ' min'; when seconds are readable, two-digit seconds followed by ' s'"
4 h 42 min 46 s
